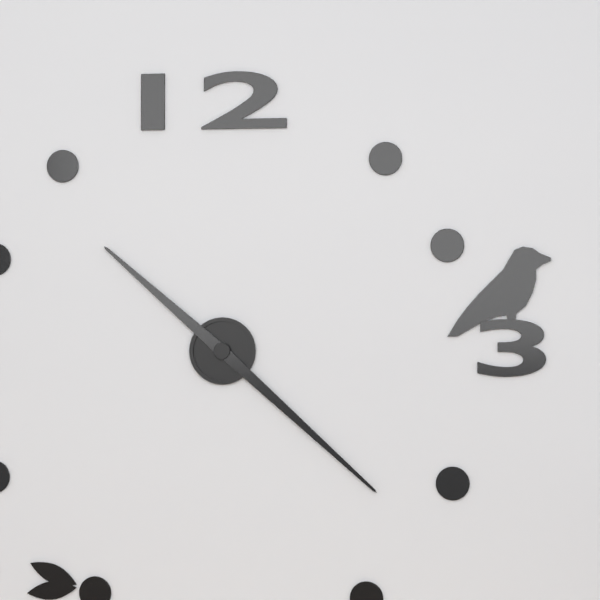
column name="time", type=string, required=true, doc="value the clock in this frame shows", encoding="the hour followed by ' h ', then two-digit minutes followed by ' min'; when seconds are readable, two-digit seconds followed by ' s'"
10 h 22 min
